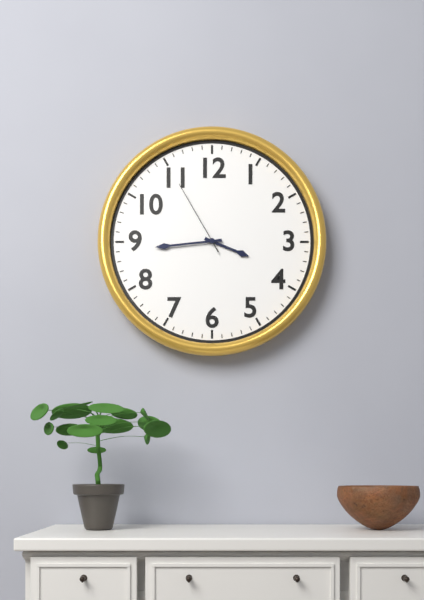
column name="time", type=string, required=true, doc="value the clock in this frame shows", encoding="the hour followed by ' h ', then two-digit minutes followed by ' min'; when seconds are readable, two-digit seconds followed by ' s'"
3 h 44 min 55 s
